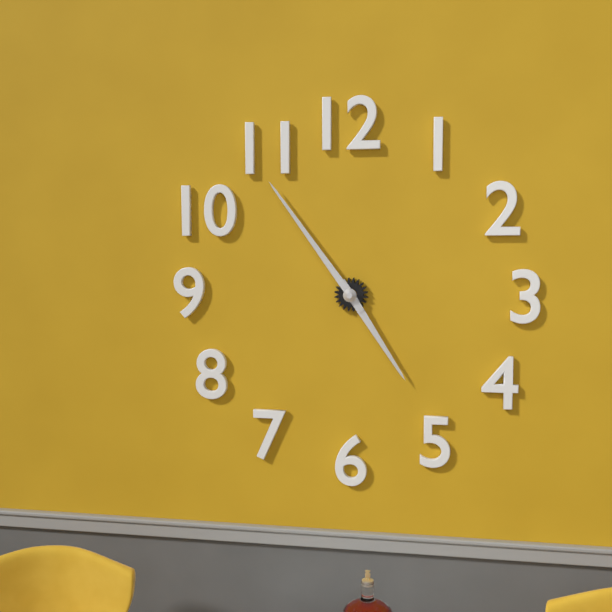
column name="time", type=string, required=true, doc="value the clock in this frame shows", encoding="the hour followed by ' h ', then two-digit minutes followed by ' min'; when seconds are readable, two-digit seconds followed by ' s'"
4 h 54 min
